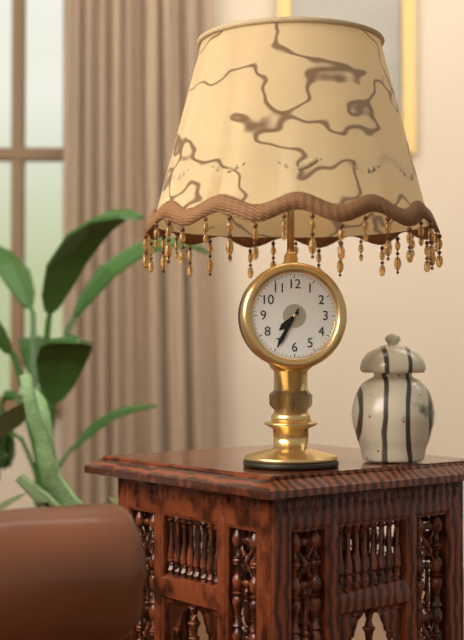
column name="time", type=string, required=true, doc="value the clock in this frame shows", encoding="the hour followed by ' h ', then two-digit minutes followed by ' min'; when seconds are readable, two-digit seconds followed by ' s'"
7 h 35 min
